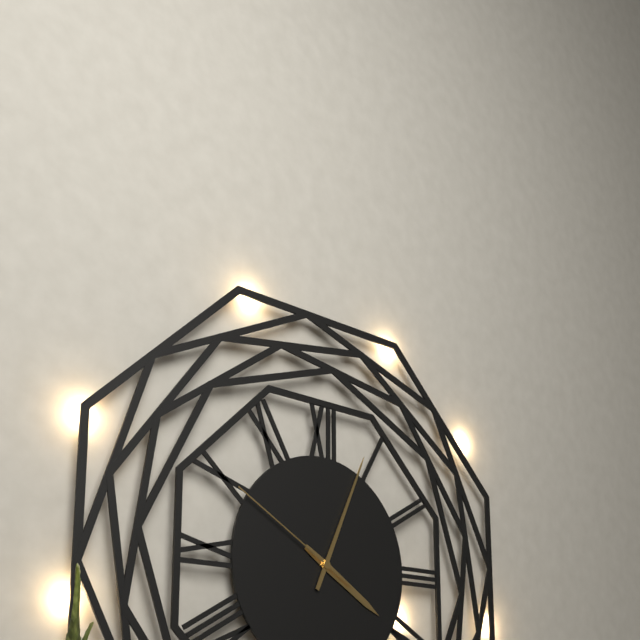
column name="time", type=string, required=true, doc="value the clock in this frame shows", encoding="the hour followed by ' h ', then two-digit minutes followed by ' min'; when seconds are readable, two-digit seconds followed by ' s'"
4 h 04 min 50 s
